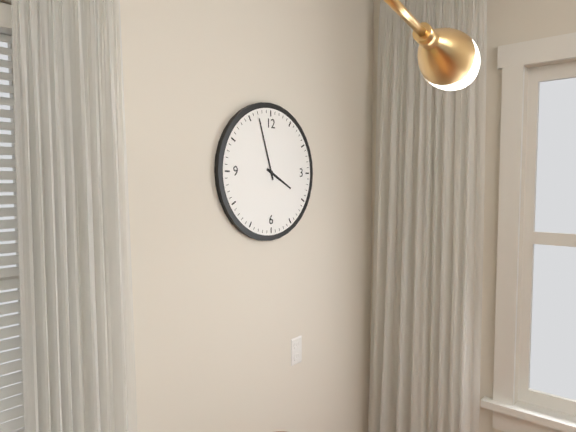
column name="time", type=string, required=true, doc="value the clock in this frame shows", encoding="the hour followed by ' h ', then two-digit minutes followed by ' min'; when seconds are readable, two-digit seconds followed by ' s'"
3 h 57 min
